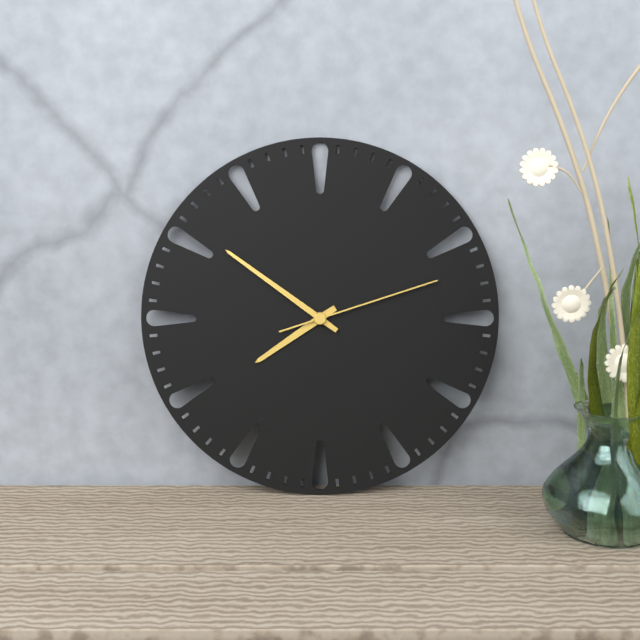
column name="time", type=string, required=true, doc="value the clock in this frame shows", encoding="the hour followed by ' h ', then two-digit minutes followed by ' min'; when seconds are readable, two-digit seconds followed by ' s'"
7 h 51 min 12 s
